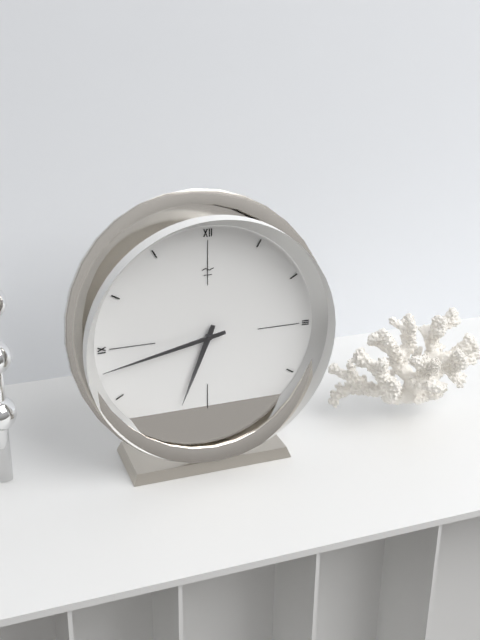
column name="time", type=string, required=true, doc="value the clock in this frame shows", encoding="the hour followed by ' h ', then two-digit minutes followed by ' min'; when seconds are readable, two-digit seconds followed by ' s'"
6 h 43 min
